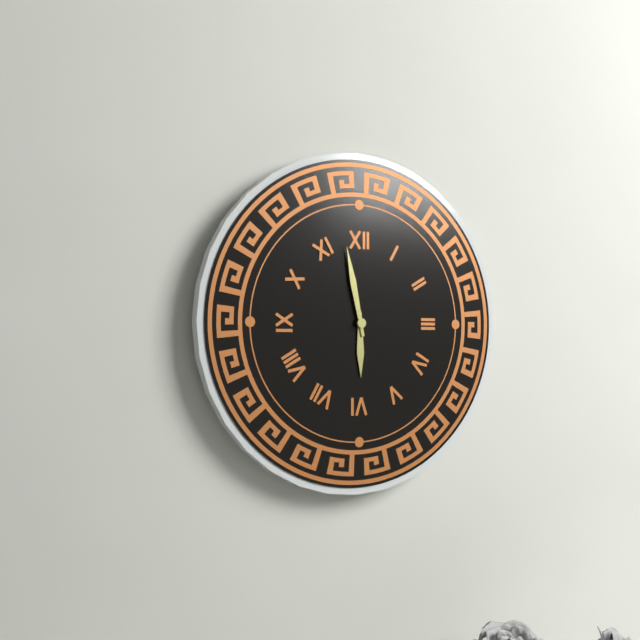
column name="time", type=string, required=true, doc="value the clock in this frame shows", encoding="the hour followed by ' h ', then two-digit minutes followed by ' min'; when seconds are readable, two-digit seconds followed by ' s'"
5 h 58 min
